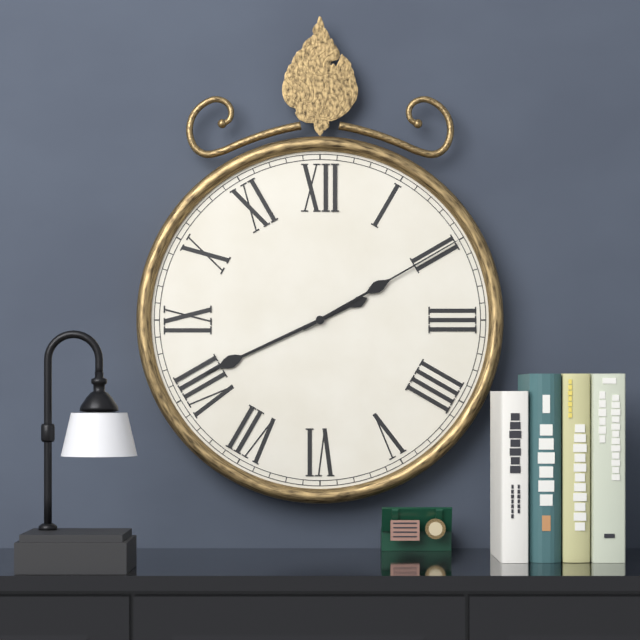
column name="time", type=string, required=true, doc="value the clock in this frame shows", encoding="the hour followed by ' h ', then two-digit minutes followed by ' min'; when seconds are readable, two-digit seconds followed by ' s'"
8 h 10 min
